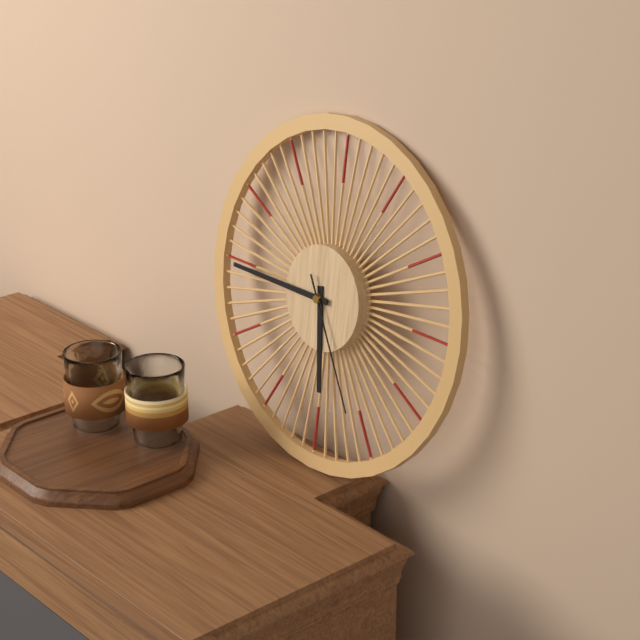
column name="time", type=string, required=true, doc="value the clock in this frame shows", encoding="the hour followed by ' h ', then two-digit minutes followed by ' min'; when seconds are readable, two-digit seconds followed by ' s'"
5 h 45 min 25 s
